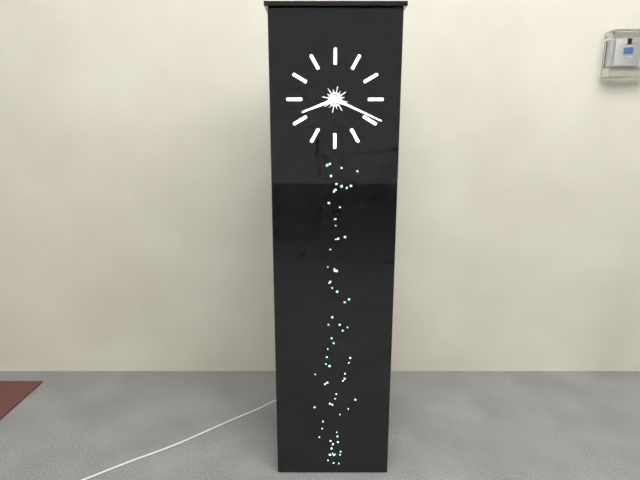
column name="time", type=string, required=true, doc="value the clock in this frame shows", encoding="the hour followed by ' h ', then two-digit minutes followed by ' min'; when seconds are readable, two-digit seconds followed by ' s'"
8 h 19 min
